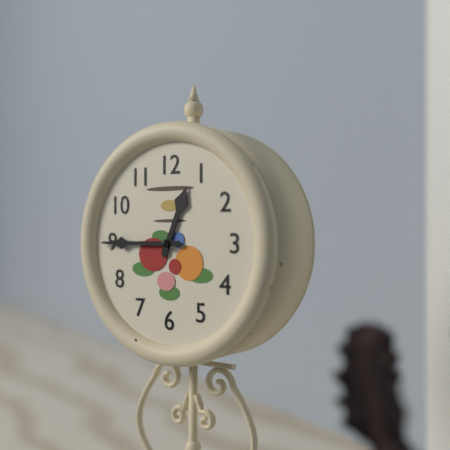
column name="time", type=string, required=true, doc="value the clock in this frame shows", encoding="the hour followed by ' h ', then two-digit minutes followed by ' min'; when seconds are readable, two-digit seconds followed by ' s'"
12 h 45 min
